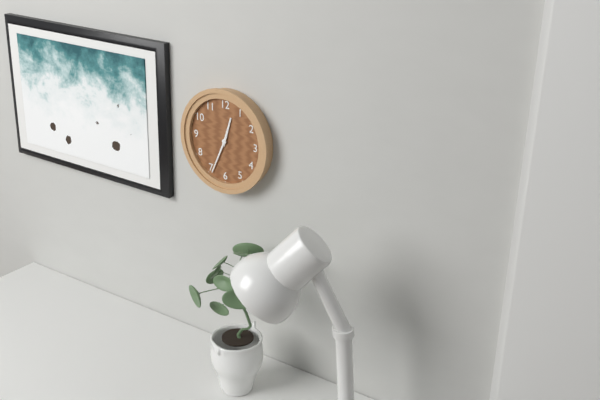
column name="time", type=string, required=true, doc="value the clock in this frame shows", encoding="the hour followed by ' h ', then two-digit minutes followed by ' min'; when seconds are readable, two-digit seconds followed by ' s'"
12 h 34 min
